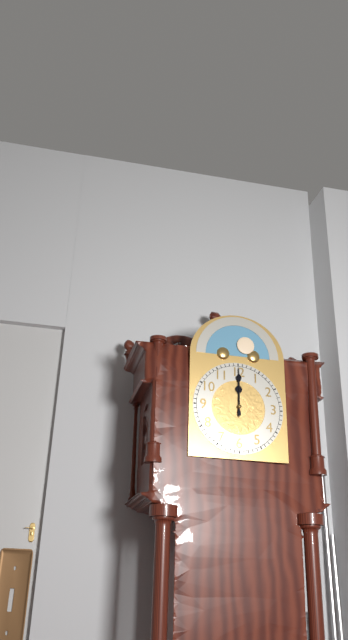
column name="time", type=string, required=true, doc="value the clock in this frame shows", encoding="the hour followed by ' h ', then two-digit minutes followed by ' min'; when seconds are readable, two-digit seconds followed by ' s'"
12 h 00 min
